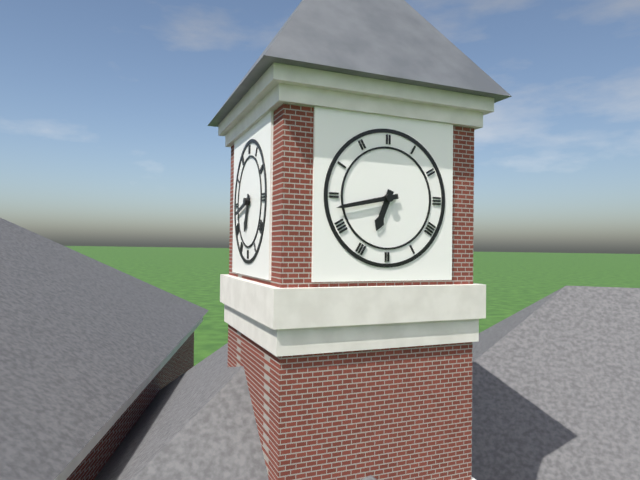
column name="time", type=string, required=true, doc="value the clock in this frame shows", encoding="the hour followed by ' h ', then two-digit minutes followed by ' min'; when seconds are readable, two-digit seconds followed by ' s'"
6 h 43 min
